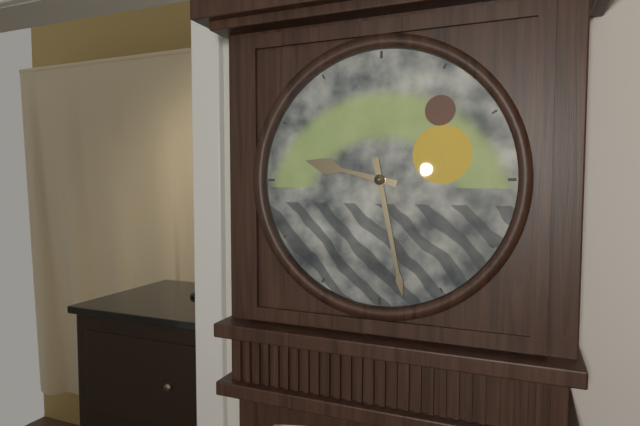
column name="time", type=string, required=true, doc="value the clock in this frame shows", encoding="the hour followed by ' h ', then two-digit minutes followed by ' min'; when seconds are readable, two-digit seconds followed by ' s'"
9 h 28 min
